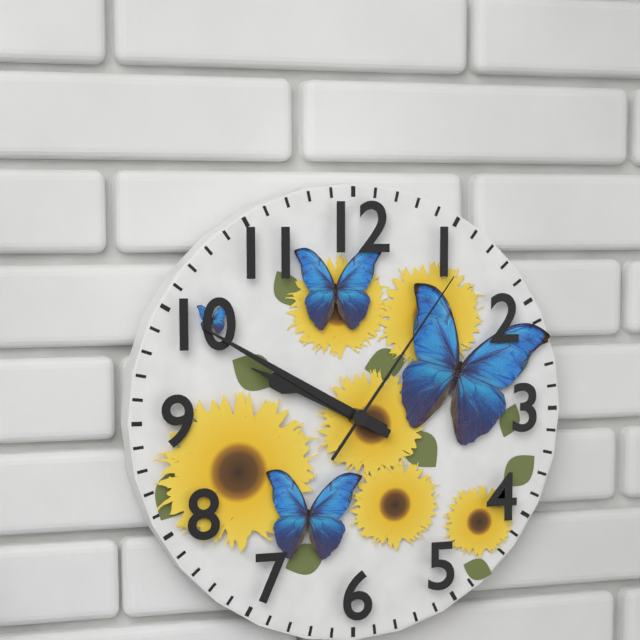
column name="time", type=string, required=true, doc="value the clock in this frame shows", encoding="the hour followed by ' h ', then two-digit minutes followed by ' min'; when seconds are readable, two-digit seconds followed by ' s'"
9 h 50 min 06 s
